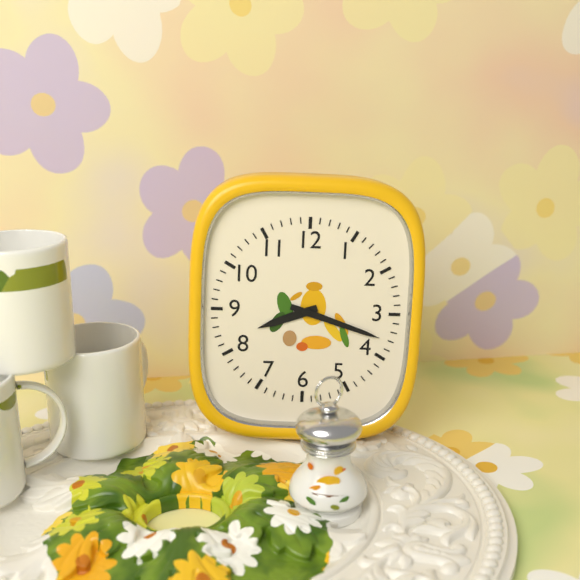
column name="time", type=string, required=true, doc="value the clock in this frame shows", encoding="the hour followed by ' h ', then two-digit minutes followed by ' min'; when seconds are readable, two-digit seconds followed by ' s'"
8 h 18 min
